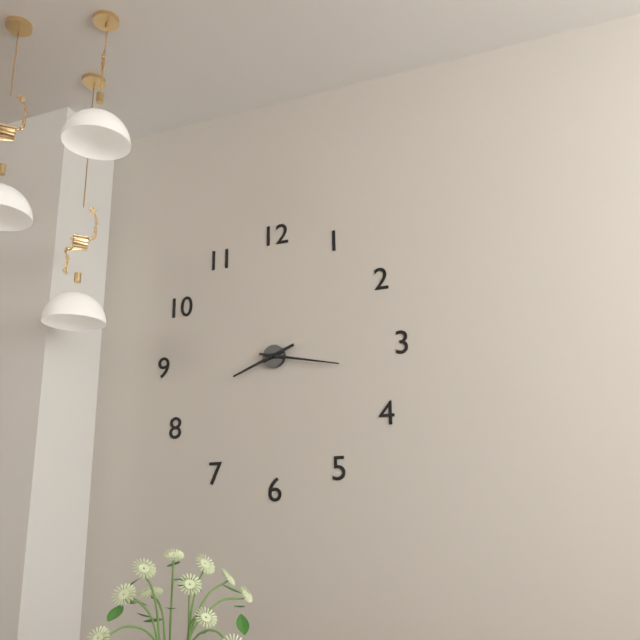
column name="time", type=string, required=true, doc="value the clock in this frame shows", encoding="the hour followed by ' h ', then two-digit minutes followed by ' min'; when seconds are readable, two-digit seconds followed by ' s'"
8 h 17 min
